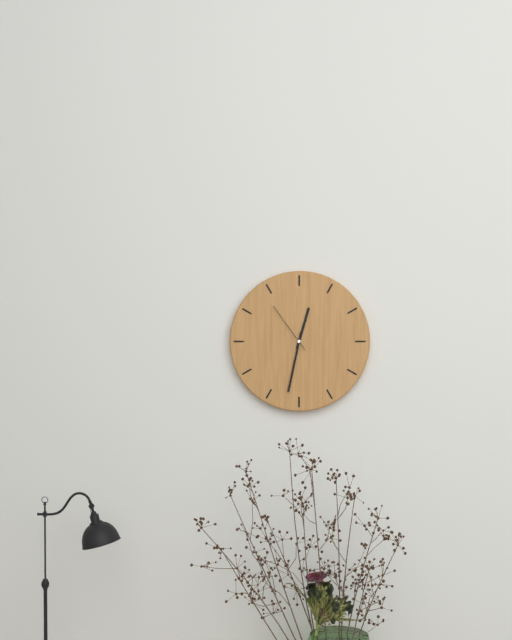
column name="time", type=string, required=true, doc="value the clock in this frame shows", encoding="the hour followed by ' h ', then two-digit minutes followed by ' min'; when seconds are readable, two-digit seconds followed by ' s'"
12 h 32 min 54 s
